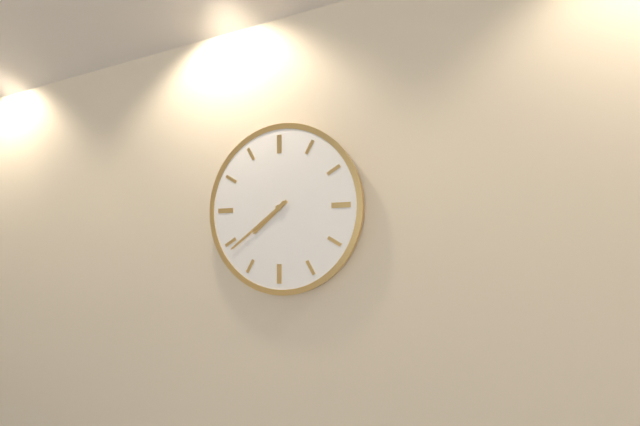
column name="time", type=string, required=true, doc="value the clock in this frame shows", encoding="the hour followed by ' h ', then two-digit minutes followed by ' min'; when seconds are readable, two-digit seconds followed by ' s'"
7 h 39 min
